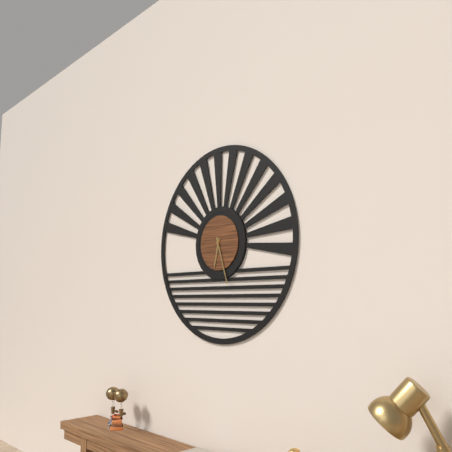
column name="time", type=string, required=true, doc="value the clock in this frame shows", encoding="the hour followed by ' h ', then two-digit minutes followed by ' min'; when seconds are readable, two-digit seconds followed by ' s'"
6 h 27 min
